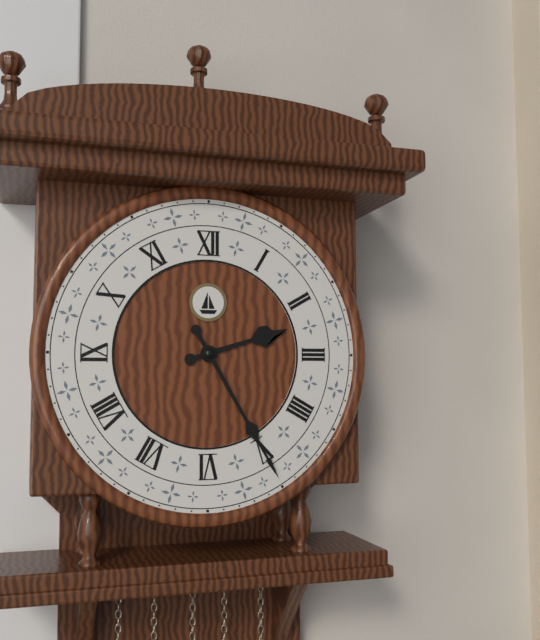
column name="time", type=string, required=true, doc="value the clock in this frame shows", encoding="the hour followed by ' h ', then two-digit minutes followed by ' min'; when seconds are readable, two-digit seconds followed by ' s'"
2 h 25 min
